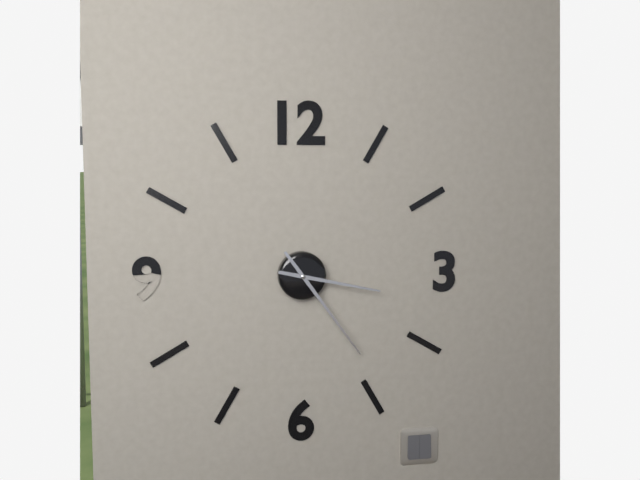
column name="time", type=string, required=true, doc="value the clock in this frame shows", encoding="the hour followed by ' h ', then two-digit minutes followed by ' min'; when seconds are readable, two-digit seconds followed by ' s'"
3 h 24 min
